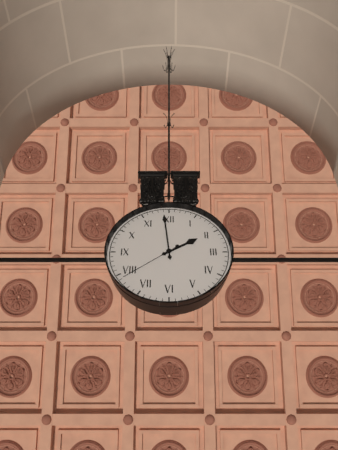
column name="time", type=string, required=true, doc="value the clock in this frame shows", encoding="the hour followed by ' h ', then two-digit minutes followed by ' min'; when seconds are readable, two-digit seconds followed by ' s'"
1 h 59 min 39 s
